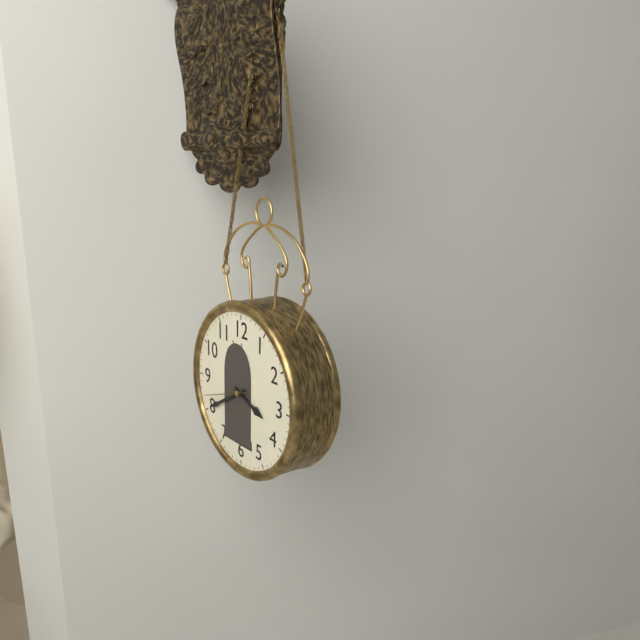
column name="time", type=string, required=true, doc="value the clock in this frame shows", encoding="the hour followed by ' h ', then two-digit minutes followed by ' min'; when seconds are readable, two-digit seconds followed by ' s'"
3 h 40 min
